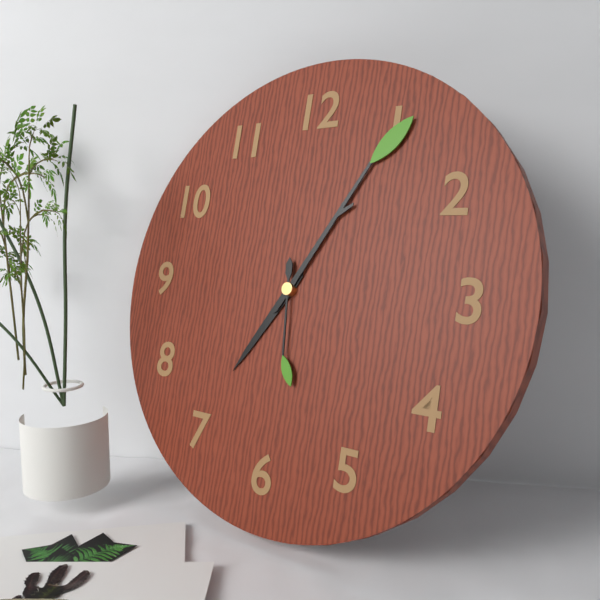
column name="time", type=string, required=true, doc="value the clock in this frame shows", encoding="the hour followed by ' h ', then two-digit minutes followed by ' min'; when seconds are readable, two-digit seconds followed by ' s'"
7 h 05 min 29 s
